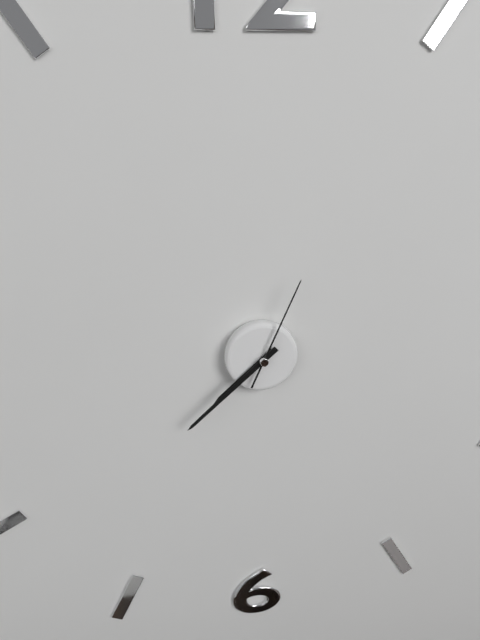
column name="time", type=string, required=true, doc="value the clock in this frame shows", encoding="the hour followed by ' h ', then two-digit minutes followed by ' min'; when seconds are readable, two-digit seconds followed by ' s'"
7 h 38 min 04 s
